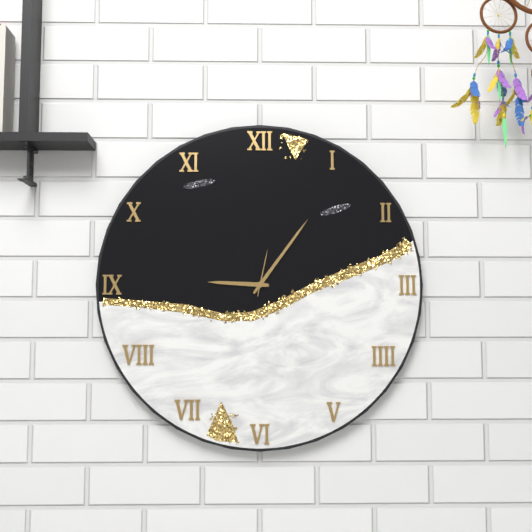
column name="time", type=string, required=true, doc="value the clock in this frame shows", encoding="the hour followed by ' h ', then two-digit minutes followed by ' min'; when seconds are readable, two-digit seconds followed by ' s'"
9 h 06 min
